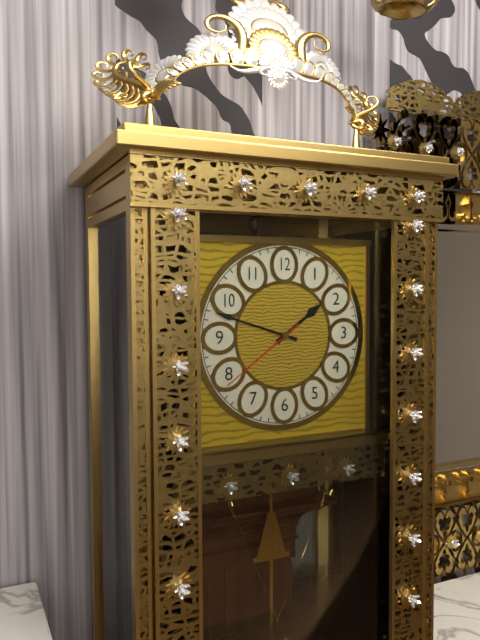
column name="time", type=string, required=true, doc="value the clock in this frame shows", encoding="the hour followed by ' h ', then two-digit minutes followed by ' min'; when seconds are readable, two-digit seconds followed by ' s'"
1 h 48 min 39 s
